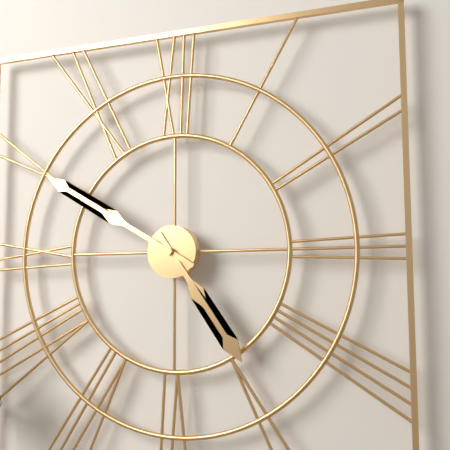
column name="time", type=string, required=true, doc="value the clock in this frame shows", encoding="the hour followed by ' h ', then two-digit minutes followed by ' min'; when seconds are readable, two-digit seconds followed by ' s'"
4 h 50 min
